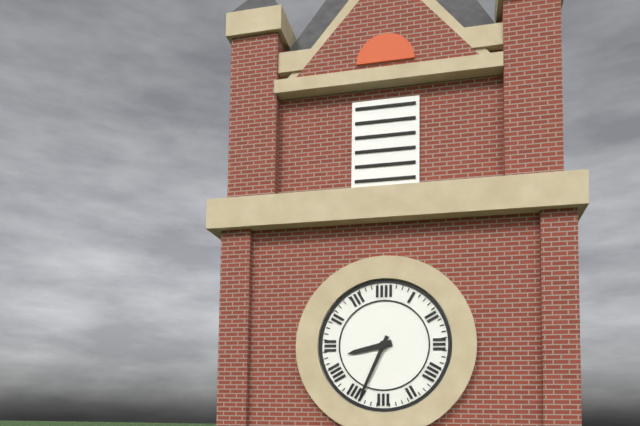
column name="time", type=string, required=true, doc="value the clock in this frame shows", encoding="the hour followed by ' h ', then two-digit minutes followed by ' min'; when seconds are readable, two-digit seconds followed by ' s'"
8 h 34 min
